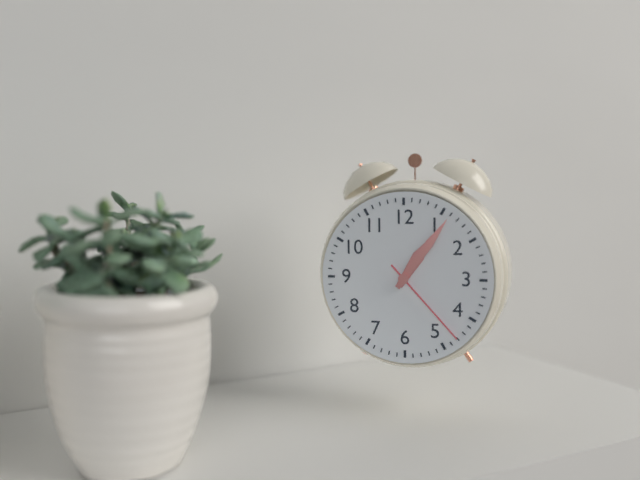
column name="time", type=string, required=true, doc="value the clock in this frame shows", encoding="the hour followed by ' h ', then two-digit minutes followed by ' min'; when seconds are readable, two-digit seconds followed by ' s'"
1 h 06 min 23 s
